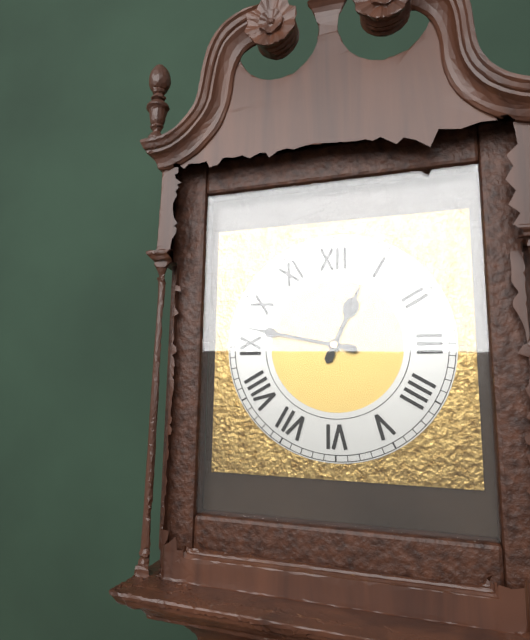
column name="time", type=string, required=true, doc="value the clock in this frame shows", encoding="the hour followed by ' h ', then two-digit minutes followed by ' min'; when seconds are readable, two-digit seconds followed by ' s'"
12 h 47 min
